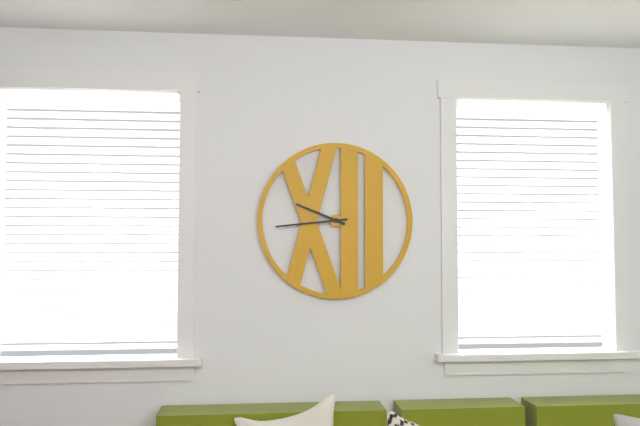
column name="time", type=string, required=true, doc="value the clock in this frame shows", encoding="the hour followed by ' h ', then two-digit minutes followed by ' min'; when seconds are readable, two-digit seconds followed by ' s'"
9 h 44 min
